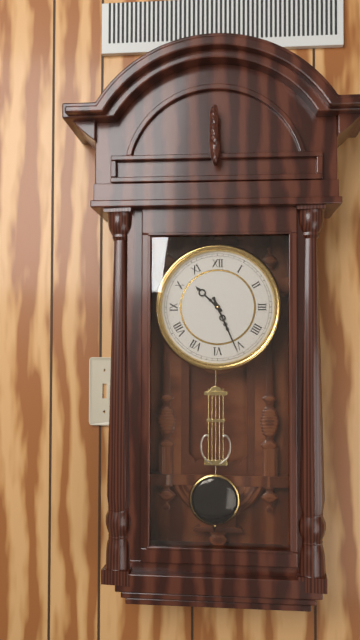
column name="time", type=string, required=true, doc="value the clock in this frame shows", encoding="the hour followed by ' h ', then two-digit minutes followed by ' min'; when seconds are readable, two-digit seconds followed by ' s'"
10 h 26 min
